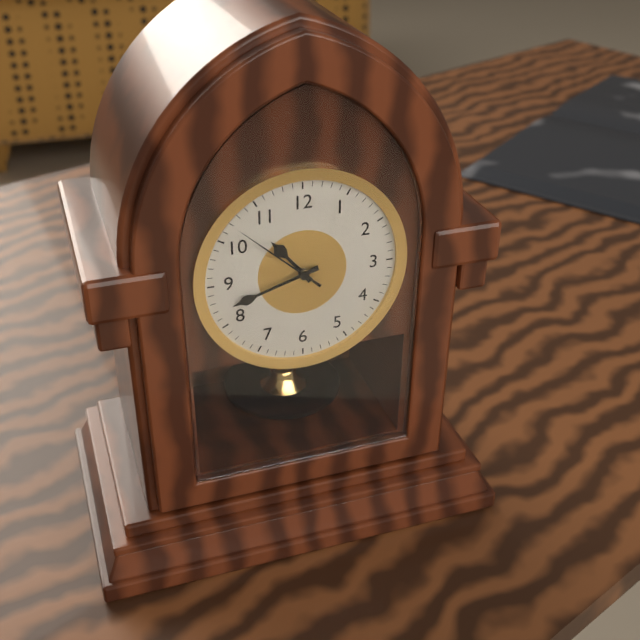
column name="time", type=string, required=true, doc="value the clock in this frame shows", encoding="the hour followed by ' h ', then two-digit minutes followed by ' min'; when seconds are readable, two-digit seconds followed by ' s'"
10 h 42 min 52 s
